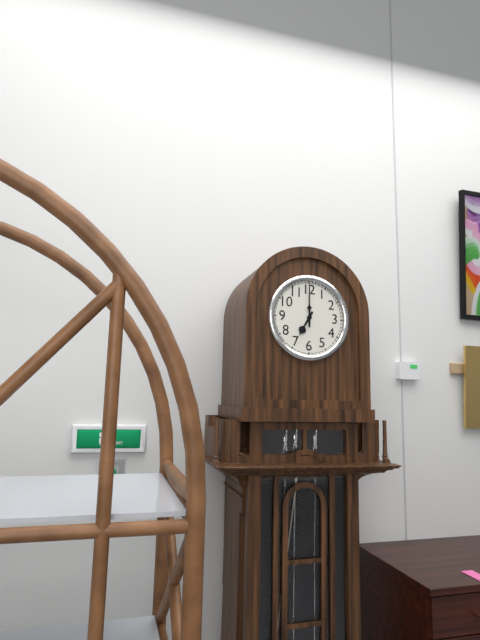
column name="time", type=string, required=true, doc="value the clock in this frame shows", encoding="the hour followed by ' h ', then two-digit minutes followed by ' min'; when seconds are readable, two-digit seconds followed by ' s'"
7 h 00 min
